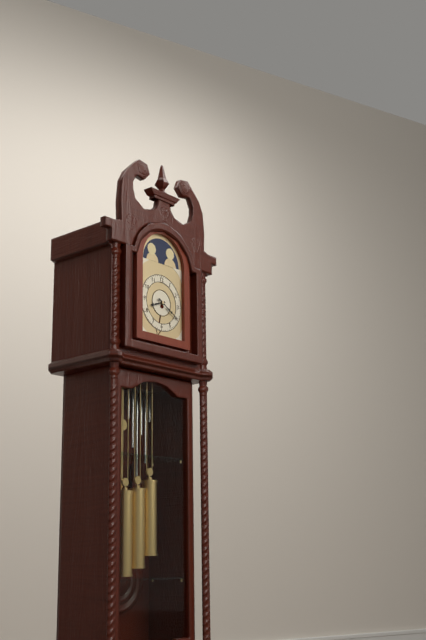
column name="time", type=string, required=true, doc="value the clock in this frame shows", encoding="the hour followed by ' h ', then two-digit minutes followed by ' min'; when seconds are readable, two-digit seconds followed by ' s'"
8 h 20 min
